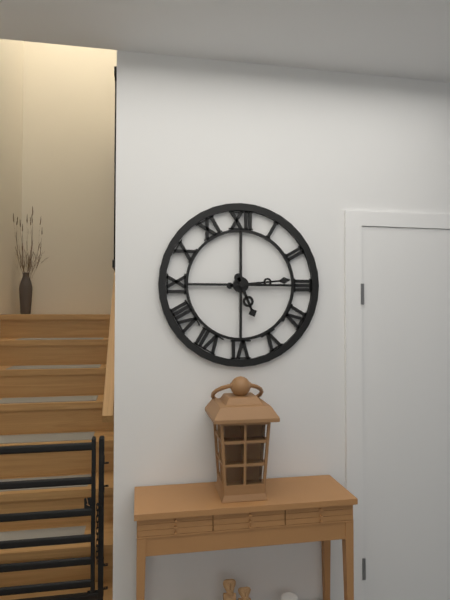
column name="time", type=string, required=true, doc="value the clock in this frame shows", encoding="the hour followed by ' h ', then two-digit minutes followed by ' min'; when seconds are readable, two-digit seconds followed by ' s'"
5 h 14 min
